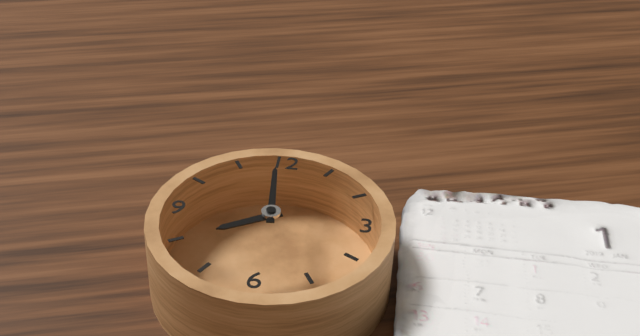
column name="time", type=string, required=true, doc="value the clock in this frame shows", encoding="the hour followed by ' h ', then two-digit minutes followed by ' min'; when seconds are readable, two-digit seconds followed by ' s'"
7 h 59 min
